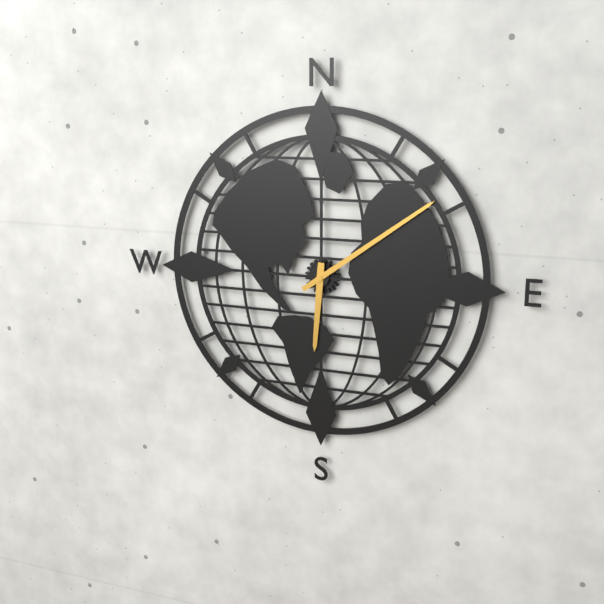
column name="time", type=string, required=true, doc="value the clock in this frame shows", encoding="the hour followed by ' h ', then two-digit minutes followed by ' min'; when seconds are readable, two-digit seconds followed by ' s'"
6 h 09 min
